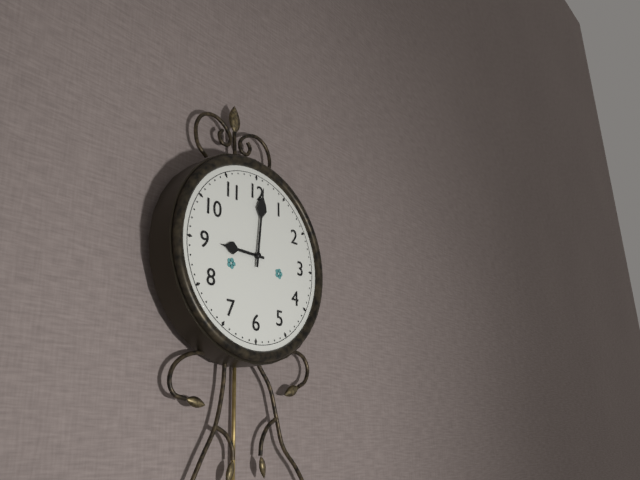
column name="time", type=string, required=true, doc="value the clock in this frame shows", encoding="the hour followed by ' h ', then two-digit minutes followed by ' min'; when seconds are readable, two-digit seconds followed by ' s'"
9 h 01 min
